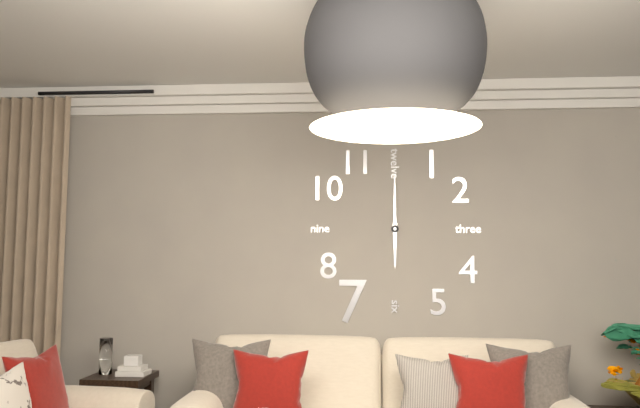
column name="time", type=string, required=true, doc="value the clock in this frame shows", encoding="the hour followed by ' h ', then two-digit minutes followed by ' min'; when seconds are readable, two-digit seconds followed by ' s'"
6 h 00 min
